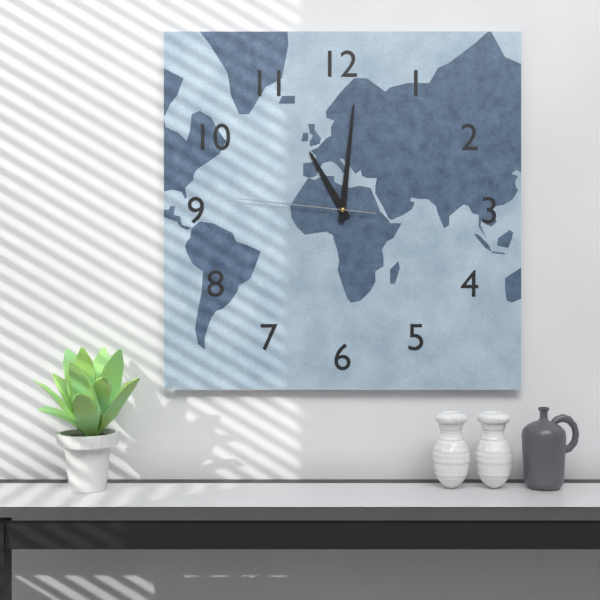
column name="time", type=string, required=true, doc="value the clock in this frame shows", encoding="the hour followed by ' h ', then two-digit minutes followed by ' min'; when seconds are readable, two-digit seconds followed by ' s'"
11 h 01 min 46 s
